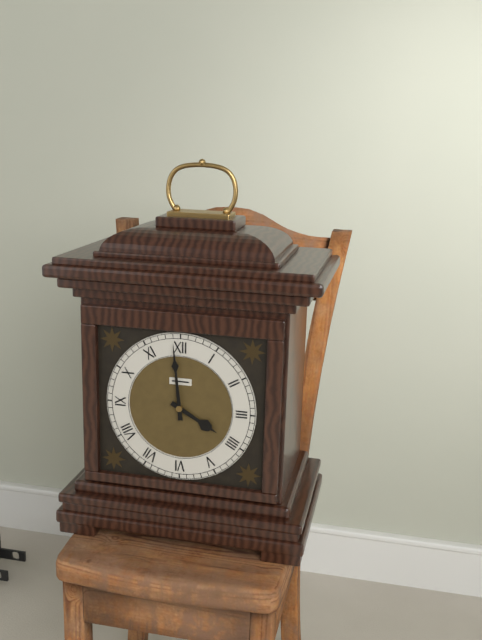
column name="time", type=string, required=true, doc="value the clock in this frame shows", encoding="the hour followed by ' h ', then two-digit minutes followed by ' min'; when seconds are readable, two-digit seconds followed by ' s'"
3 h 59 min
